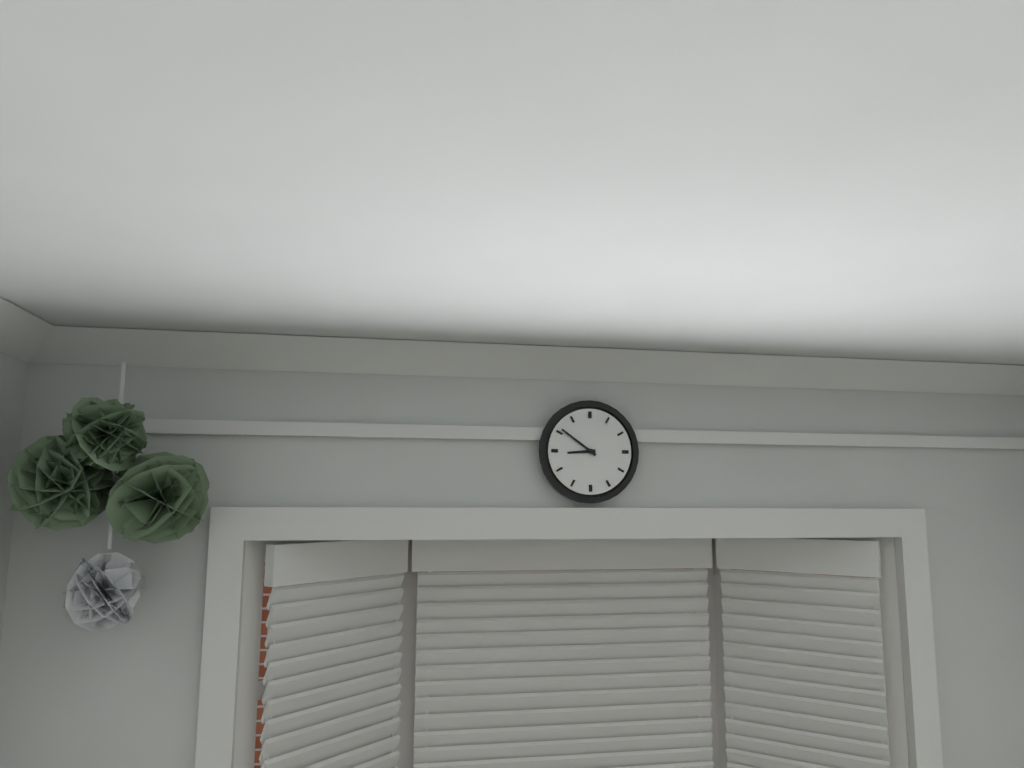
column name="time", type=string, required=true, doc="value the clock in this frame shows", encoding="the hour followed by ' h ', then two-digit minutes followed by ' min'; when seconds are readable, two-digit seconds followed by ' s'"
8 h 51 min
